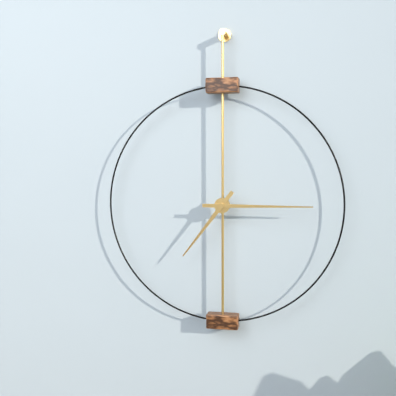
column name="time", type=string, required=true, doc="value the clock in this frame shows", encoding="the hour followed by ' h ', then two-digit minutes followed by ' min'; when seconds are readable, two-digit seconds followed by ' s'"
7 h 15 min
